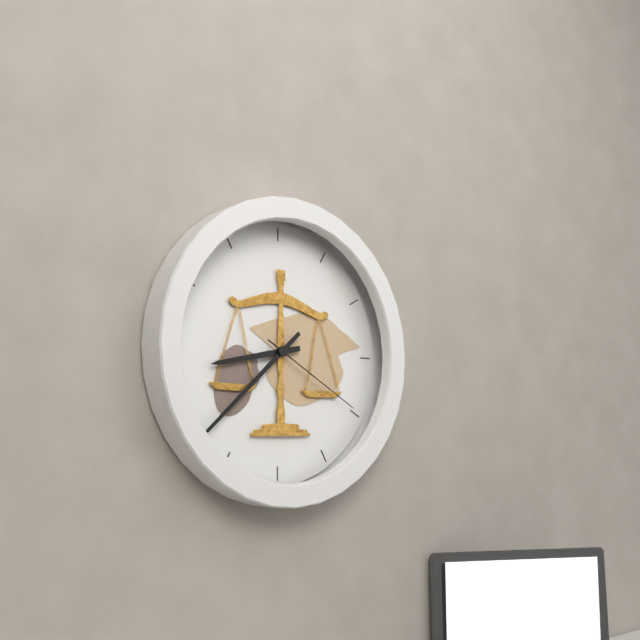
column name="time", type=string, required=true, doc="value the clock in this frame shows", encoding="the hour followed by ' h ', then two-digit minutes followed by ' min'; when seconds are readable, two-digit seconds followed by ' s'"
8 h 38 min 20 s
